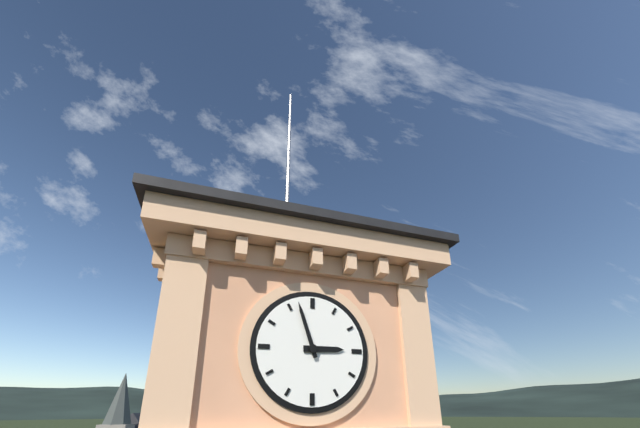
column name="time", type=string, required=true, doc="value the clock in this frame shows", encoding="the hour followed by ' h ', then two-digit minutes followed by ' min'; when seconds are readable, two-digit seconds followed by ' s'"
2 h 57 min
